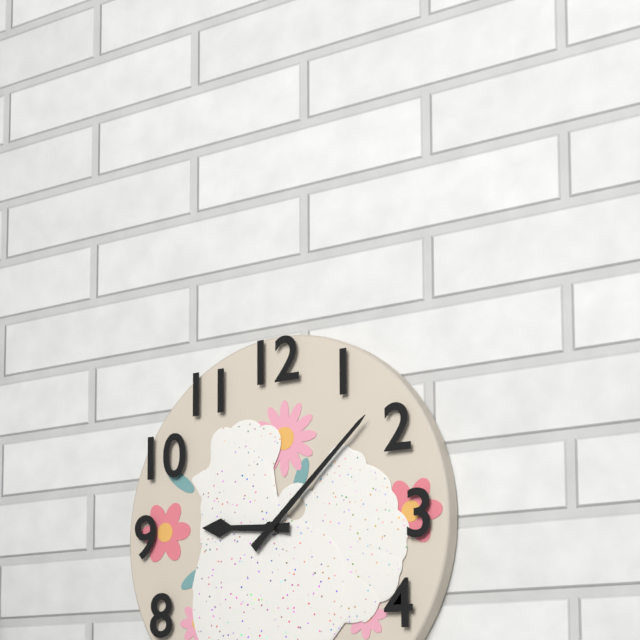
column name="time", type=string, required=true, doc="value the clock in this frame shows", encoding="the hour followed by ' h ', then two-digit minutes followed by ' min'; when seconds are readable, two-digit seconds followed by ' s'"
9 h 08 min
